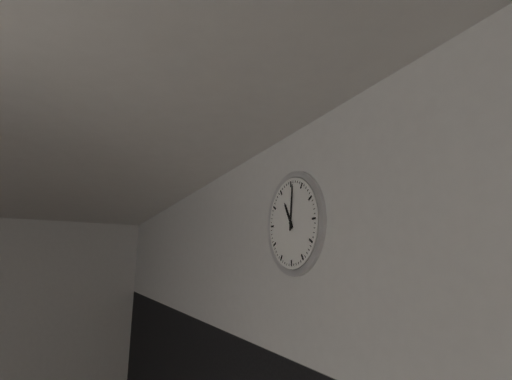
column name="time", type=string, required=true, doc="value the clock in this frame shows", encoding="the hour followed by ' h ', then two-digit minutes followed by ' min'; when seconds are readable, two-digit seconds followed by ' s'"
11 h 01 min
